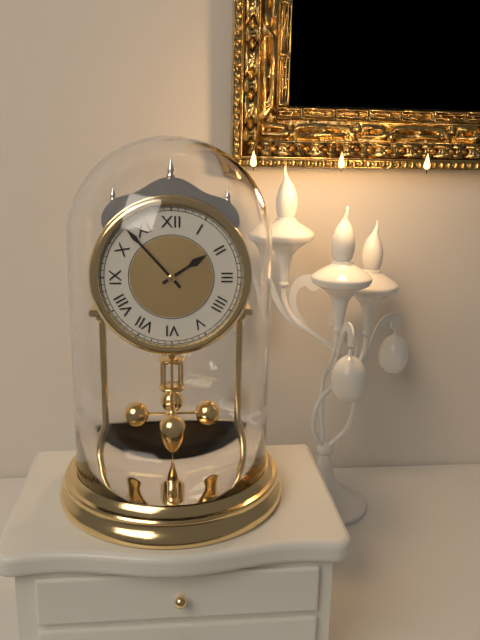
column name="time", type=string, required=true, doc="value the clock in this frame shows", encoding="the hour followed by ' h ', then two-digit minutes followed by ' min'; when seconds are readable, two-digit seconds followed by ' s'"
1 h 53 min
